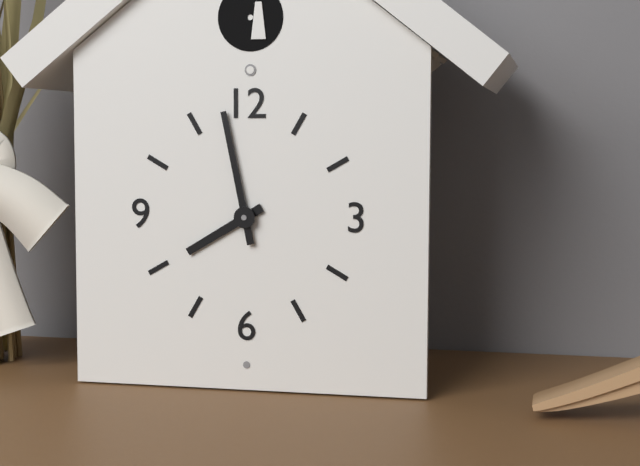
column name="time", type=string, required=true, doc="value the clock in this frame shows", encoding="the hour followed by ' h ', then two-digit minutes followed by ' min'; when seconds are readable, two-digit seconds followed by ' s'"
7 h 58 min
